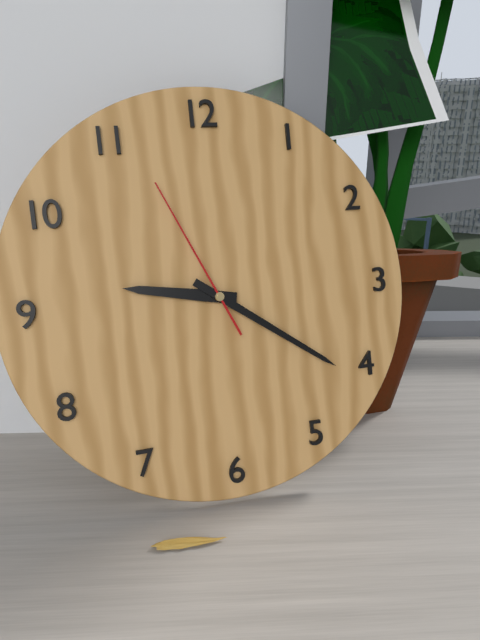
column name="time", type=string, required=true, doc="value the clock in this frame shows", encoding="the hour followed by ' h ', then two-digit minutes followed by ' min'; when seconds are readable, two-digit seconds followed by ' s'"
9 h 21 min 56 s
